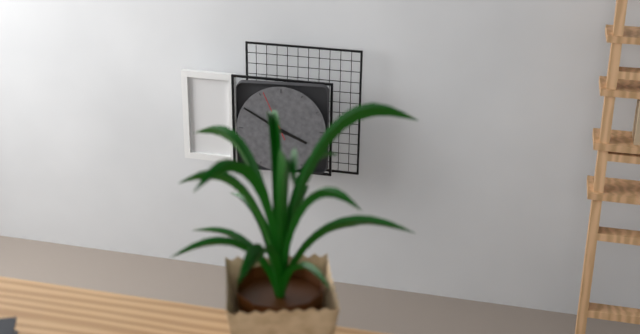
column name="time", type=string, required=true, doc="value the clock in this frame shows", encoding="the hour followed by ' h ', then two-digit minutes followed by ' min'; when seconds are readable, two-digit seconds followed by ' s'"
3 h 50 min 56 s
